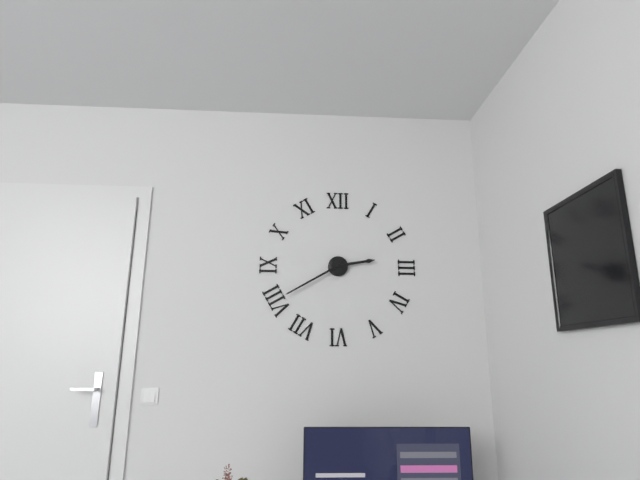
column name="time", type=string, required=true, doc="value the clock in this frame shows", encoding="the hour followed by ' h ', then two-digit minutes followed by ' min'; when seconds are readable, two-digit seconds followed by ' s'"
2 h 40 min
